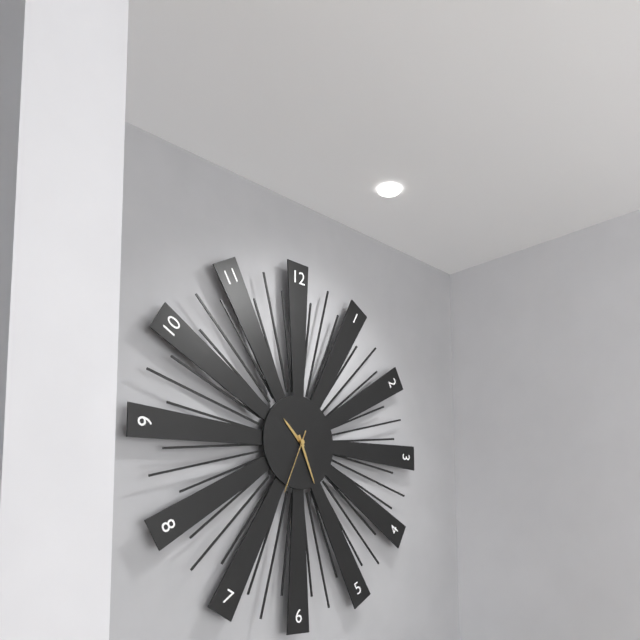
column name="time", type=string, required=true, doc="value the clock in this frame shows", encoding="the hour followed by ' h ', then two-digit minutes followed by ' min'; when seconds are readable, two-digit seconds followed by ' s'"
10 h 26 min 34 s
